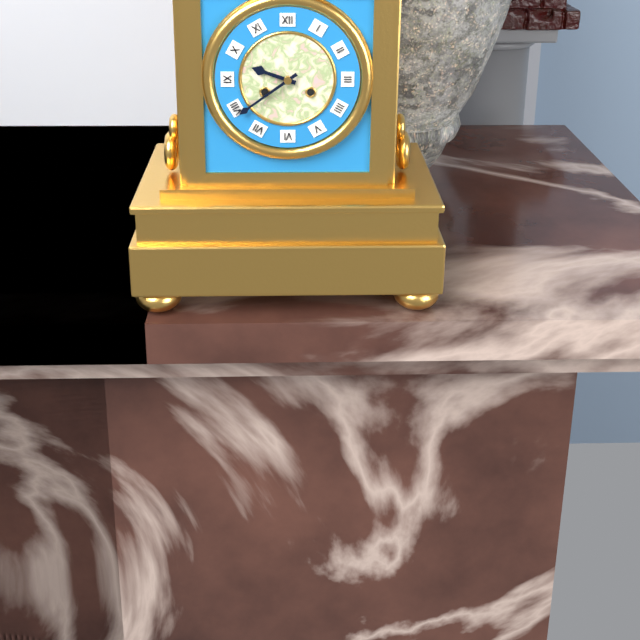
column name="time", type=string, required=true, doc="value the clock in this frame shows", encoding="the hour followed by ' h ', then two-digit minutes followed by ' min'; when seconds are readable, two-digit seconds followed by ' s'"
9 h 39 min
